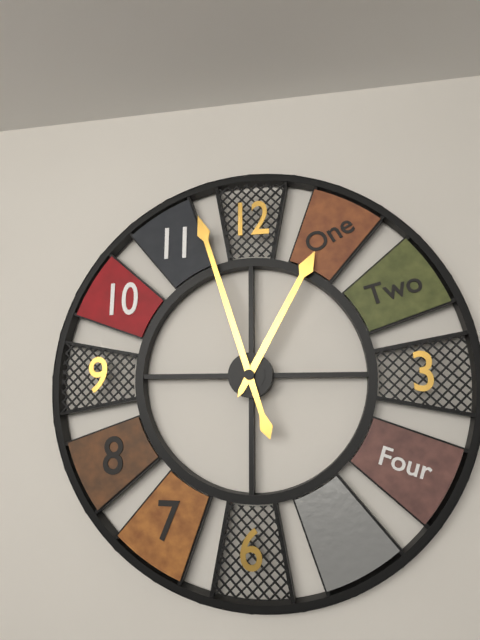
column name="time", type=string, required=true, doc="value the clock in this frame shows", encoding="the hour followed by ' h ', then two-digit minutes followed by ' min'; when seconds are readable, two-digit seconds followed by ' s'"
12 h 57 min
